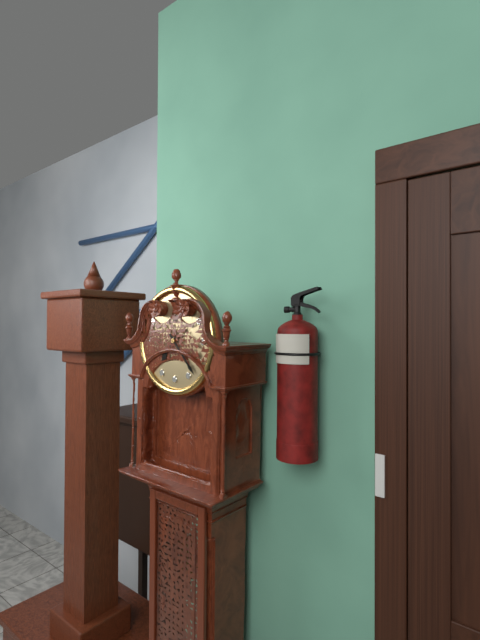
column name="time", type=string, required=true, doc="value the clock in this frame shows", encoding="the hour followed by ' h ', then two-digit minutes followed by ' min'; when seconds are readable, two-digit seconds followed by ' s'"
7 h 23 min
